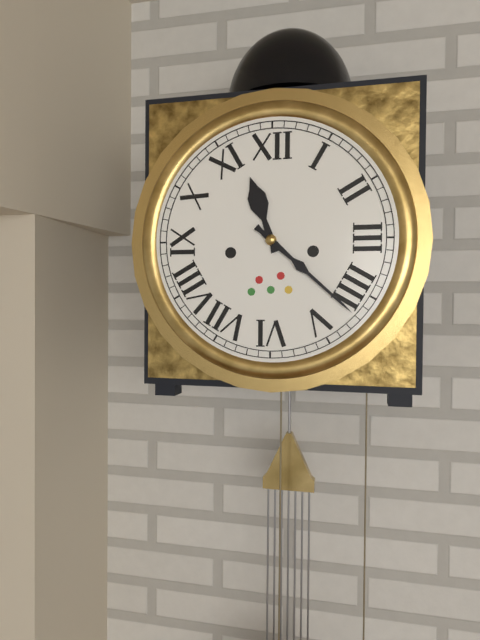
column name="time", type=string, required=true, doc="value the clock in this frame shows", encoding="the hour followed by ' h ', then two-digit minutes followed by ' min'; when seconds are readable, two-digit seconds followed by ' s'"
11 h 22 min
